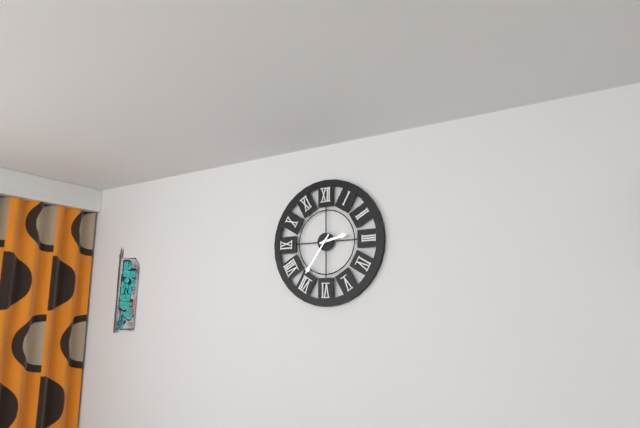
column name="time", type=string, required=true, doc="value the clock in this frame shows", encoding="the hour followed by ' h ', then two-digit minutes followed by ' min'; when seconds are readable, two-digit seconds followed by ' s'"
2 h 36 min
